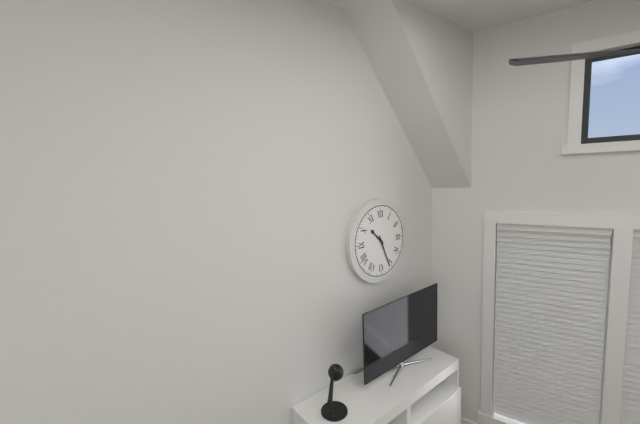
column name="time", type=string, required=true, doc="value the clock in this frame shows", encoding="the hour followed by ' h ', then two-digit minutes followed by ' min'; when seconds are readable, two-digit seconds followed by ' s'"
10 h 26 min
